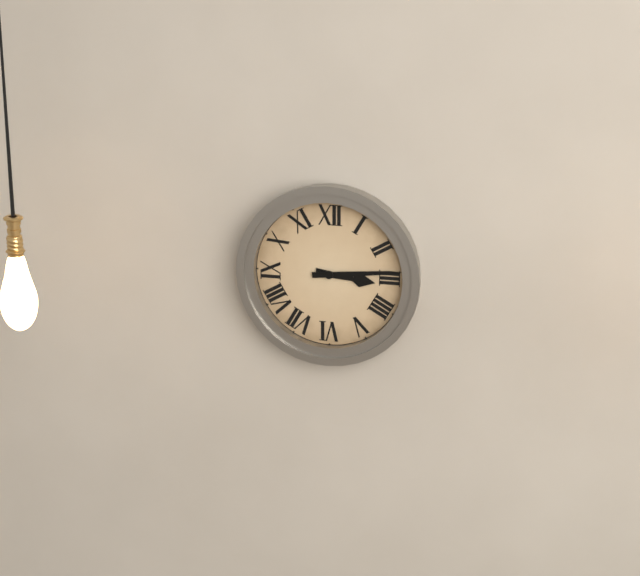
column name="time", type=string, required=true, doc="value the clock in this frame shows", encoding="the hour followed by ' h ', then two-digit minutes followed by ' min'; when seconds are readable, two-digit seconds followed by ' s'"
3 h 14 min
